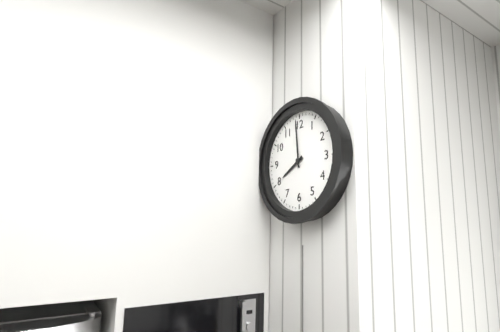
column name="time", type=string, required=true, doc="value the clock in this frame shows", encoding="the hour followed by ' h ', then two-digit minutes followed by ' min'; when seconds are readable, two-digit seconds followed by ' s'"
7 h 59 min
